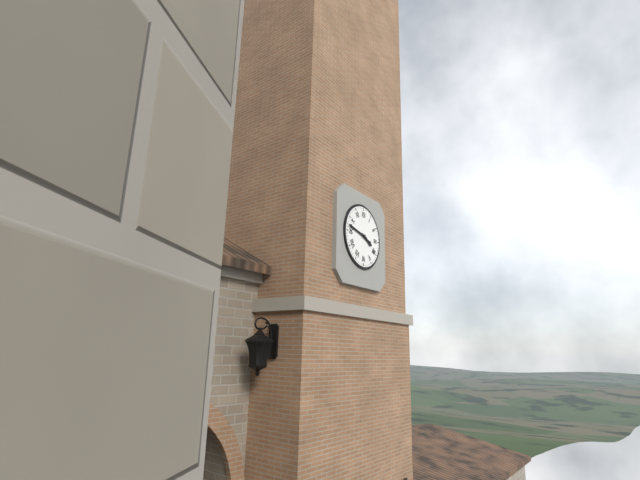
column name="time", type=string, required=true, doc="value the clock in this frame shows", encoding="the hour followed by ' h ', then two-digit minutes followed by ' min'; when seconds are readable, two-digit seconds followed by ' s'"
3 h 47 min
